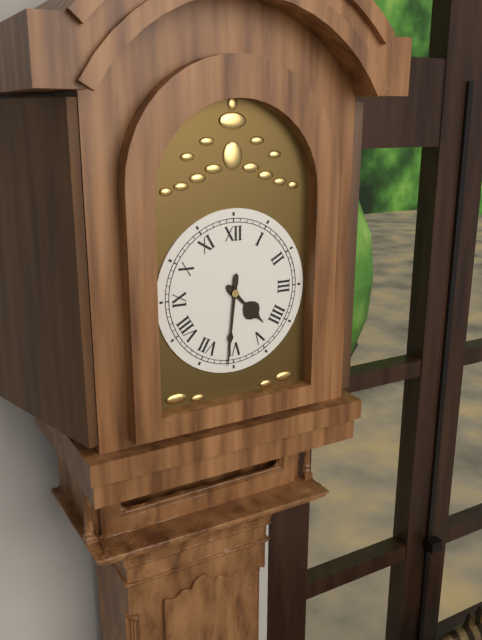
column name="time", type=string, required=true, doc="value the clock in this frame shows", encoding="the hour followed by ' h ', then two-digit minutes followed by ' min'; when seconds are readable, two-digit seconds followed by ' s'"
4 h 31 min
